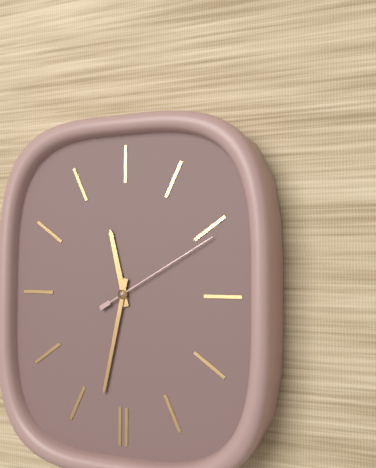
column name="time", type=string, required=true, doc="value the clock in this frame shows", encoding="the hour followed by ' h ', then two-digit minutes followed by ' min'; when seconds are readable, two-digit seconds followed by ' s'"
11 h 32 min 10 s
